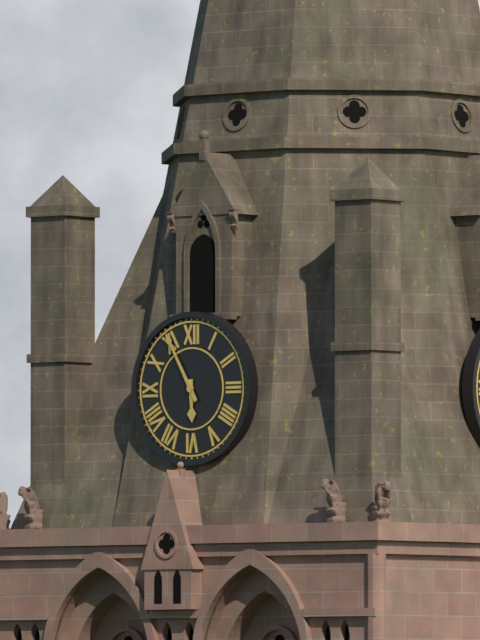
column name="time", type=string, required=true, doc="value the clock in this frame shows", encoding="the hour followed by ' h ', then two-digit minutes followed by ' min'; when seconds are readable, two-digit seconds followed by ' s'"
5 h 55 min
